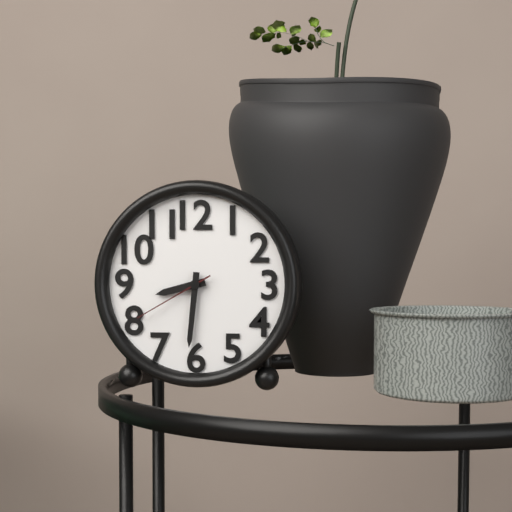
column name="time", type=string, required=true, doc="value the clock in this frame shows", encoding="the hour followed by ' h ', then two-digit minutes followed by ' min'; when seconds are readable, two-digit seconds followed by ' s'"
8 h 31 min 40 s
